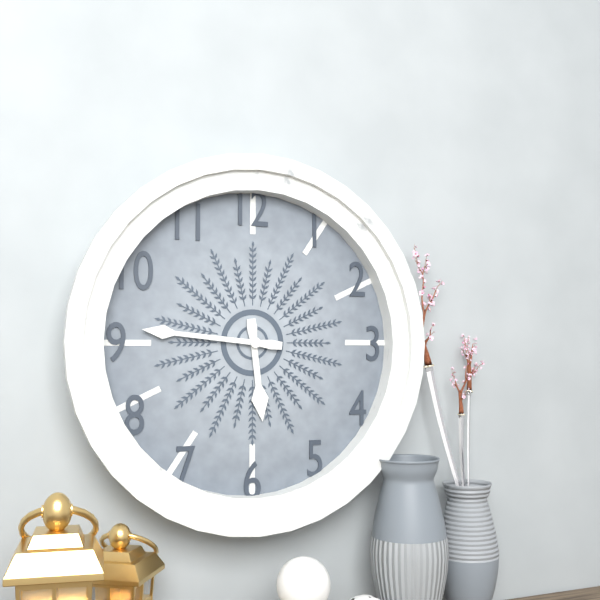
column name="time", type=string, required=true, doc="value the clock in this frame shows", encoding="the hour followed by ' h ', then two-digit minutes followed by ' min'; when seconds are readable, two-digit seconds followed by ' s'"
5 h 46 min
